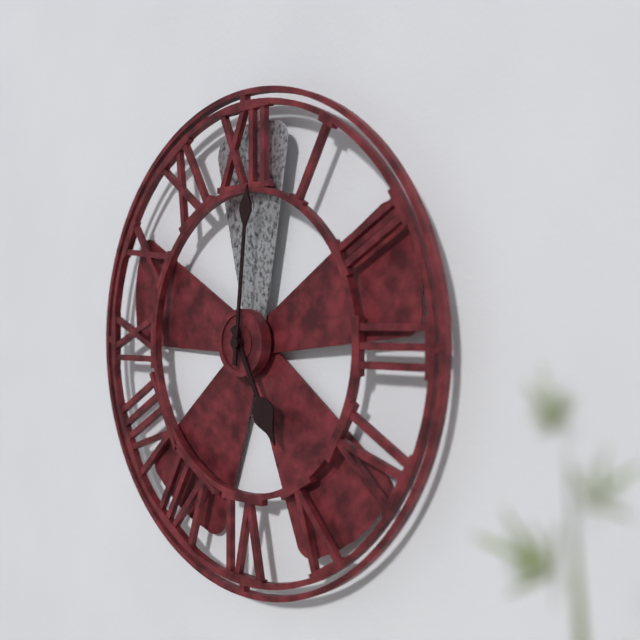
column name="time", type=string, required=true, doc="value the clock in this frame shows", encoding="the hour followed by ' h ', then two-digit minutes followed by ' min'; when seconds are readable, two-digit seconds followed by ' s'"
5 h 01 min
